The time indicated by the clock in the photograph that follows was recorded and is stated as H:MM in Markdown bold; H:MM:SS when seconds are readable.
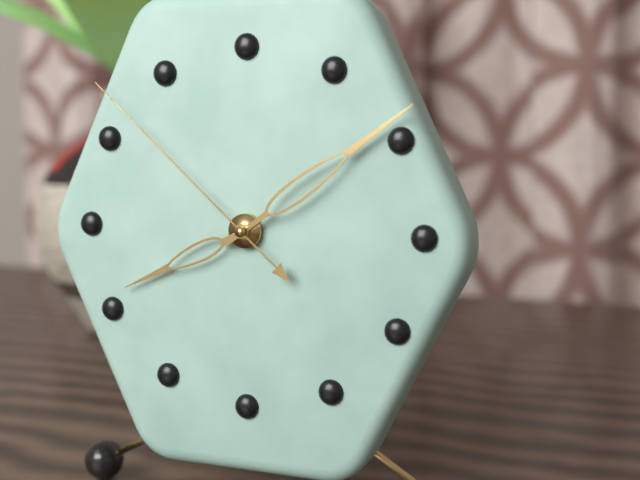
**8:09:52**
